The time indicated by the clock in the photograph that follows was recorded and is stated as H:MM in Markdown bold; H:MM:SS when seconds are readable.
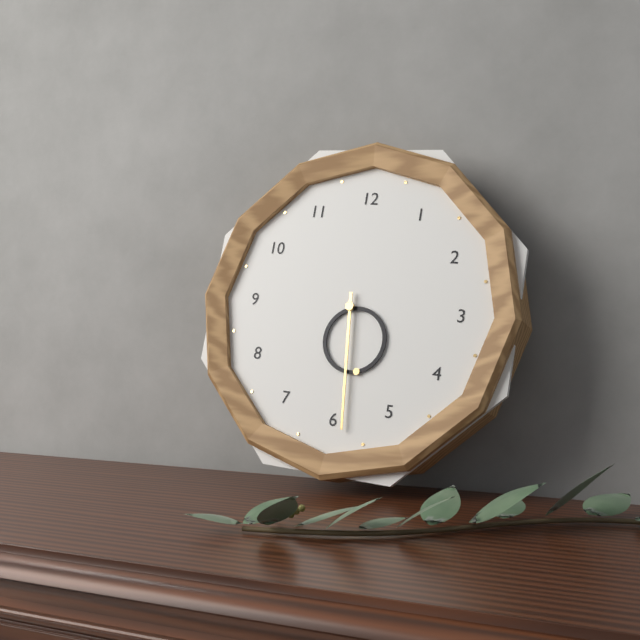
**5:29**
